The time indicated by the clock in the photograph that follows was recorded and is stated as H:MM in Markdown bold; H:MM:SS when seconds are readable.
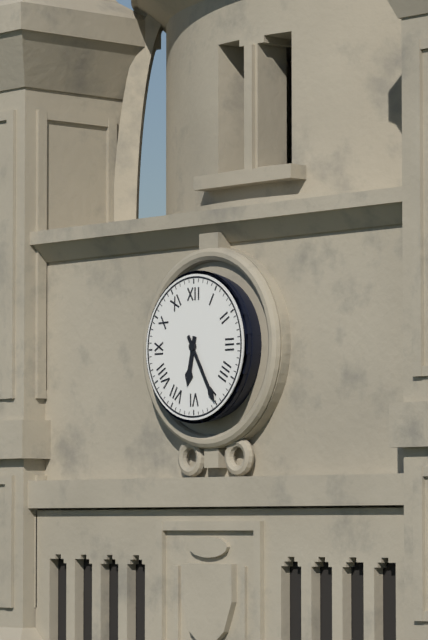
**6:25**
